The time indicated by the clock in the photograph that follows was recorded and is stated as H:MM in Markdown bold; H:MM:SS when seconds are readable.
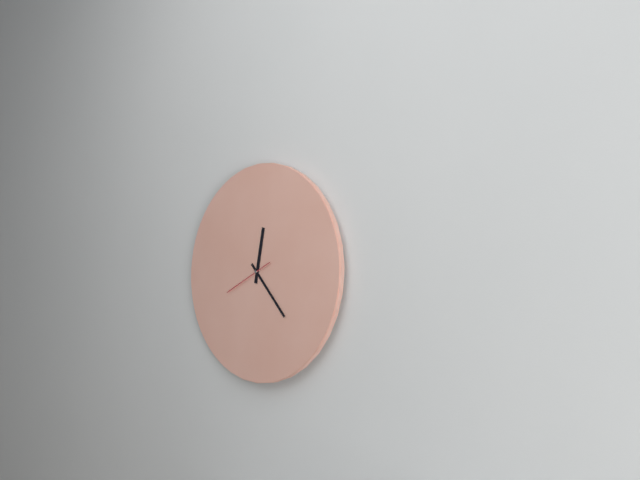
**12:23**
